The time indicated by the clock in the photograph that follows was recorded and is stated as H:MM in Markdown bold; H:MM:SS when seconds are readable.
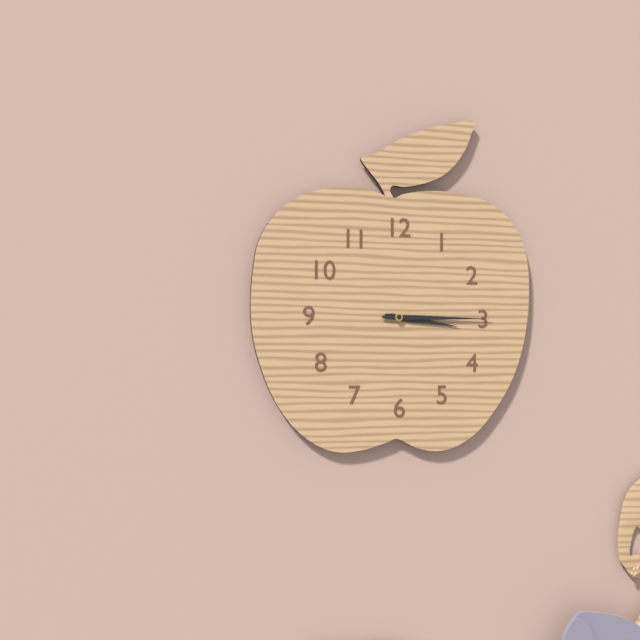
**3:15**
